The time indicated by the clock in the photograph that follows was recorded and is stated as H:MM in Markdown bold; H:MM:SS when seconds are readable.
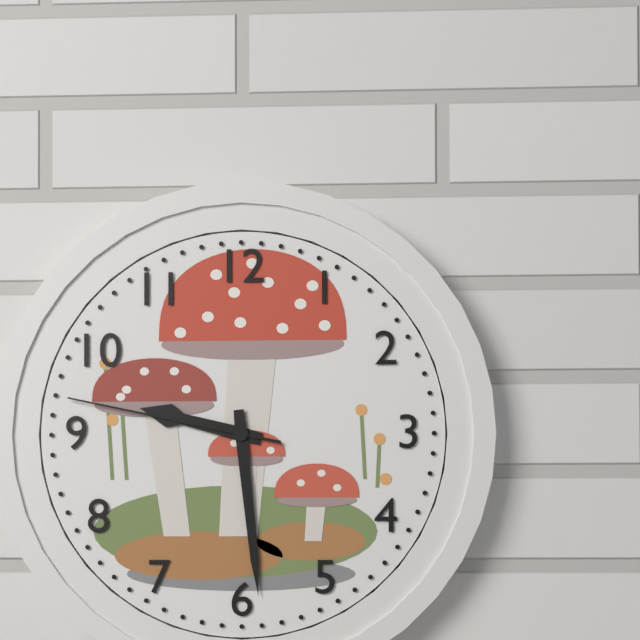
**9:29:47**
